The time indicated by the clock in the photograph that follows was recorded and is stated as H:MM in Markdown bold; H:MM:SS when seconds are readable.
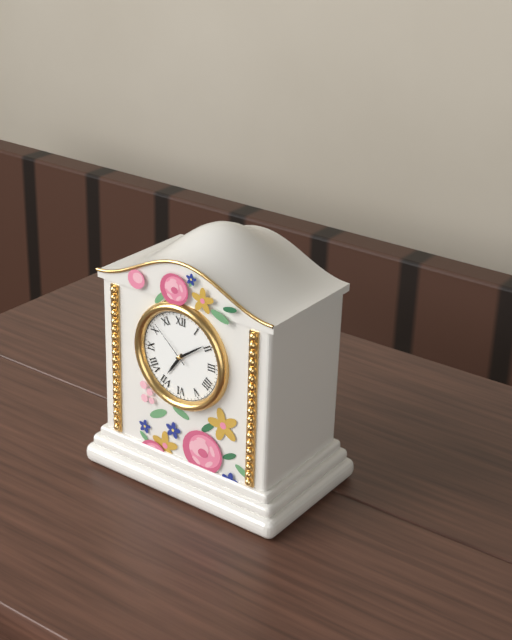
**7:09:52**
